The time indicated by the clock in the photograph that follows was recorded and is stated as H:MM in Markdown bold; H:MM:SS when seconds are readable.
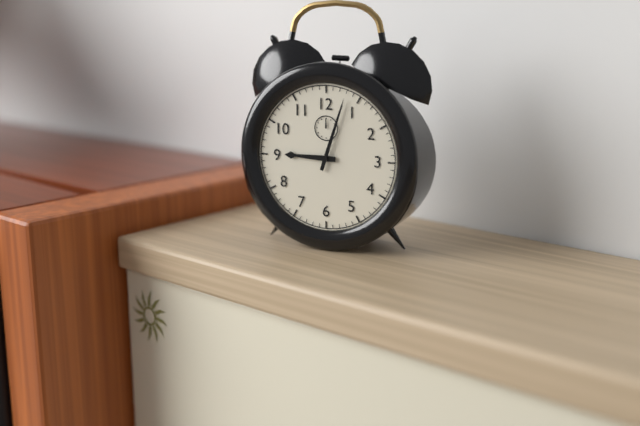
**9:03**
